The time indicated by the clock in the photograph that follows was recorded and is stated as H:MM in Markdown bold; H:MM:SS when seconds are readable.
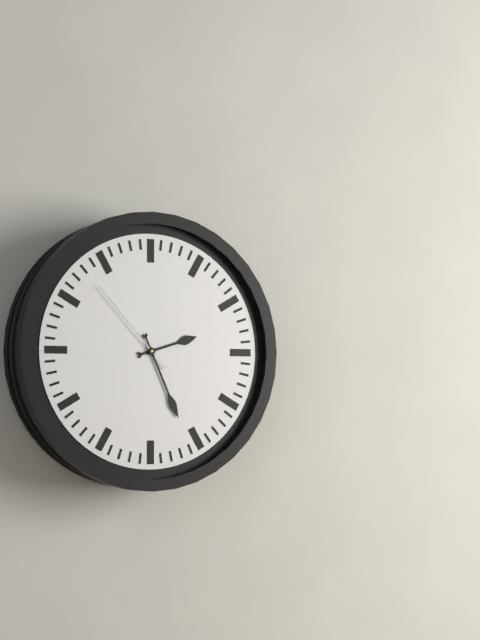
**2:26:53**
